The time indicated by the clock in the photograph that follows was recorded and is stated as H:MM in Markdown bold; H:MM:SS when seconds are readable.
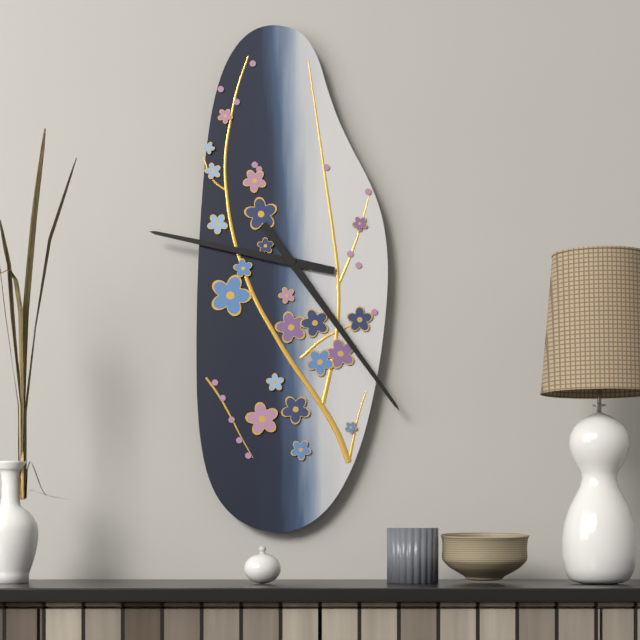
**9:24**
